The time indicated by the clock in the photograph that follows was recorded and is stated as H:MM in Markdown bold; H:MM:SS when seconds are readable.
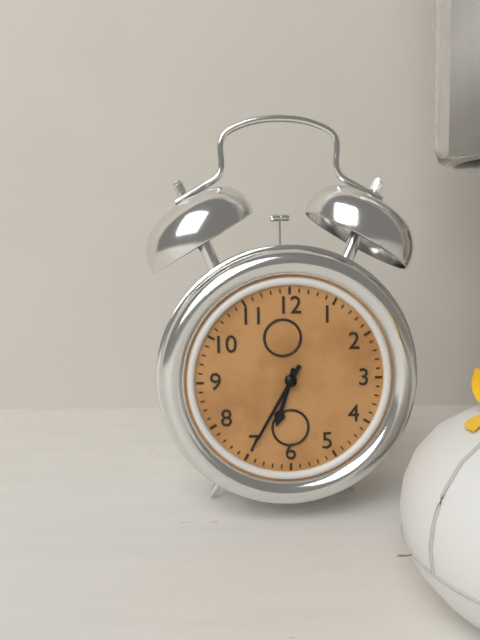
**6:35**
